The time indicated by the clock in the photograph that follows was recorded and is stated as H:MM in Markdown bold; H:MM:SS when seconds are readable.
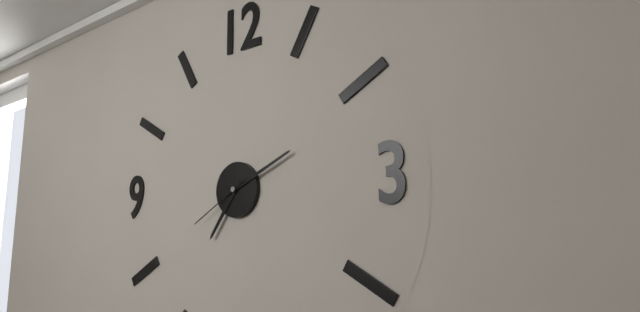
**7:11:40**
